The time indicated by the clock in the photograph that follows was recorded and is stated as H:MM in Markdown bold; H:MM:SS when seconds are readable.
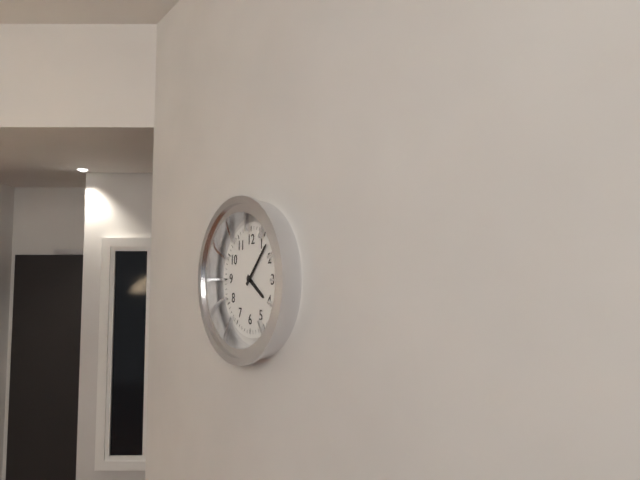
**4:07**
